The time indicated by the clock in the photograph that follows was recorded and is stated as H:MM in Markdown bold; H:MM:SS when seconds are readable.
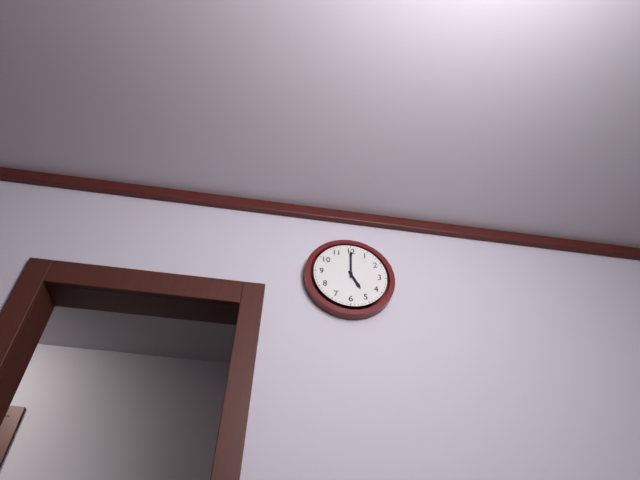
**5:00**
